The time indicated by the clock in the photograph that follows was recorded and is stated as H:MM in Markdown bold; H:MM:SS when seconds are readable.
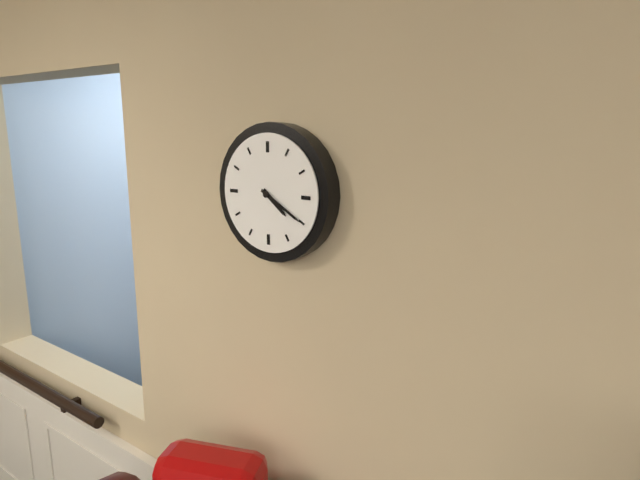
**4:20**
